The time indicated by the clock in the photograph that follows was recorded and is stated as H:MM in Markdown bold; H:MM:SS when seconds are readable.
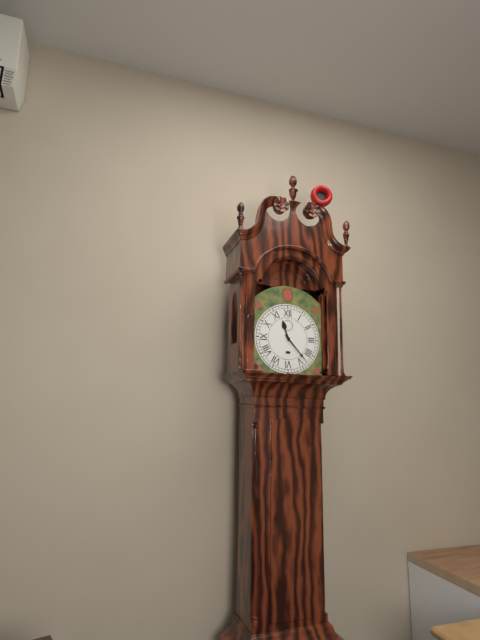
**11:23**
